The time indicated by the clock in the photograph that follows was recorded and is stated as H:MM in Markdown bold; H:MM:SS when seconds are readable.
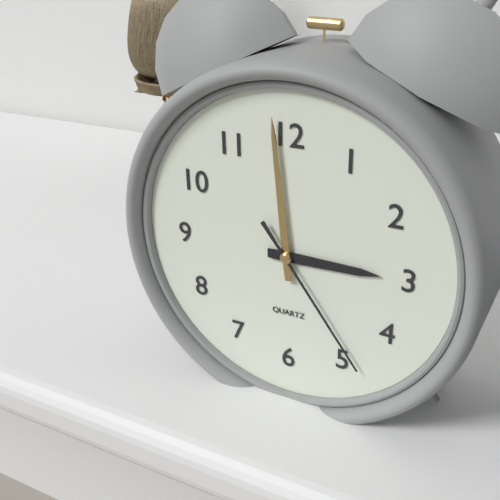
**2:59:24**
